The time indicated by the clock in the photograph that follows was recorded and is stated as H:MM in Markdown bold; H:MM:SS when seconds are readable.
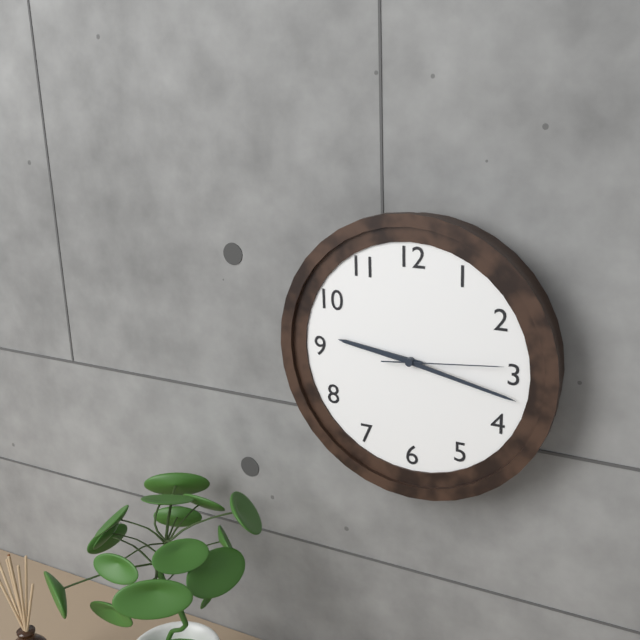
**9:17:14**
